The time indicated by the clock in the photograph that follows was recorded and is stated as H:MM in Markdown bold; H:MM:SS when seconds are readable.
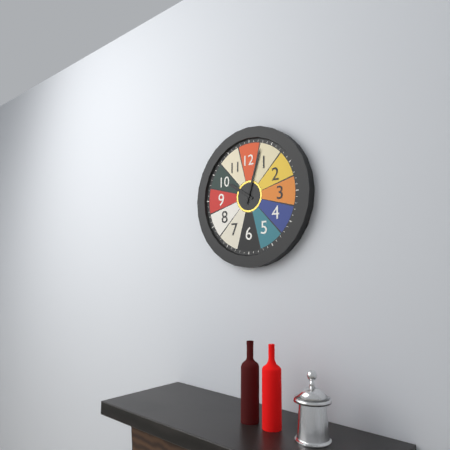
**10:03**
